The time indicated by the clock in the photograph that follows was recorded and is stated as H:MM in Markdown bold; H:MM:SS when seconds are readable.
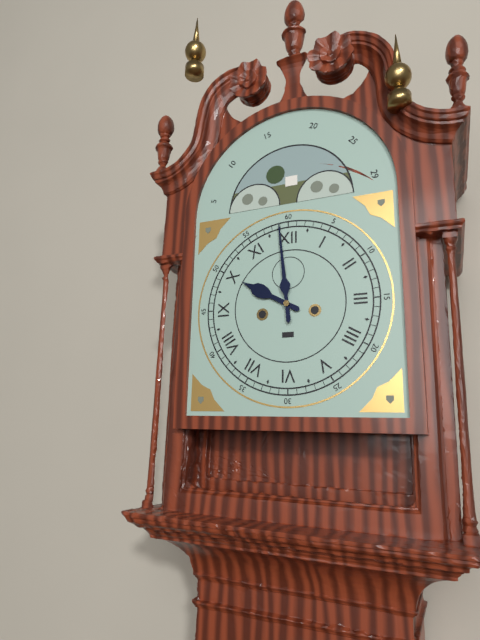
**9:59**
